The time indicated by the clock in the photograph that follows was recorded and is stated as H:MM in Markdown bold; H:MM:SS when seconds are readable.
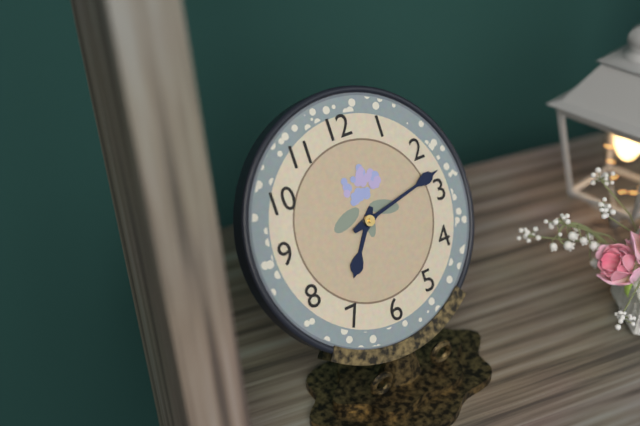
**7:13**
